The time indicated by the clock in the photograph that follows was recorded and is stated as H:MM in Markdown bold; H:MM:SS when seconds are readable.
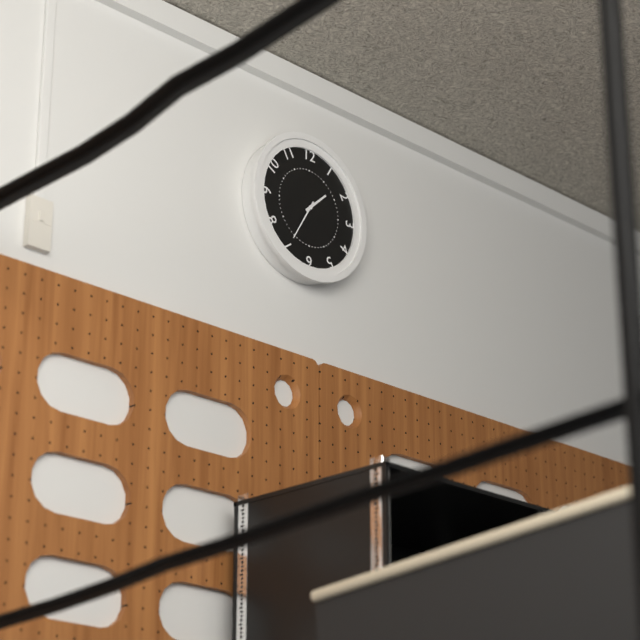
**1:35**
